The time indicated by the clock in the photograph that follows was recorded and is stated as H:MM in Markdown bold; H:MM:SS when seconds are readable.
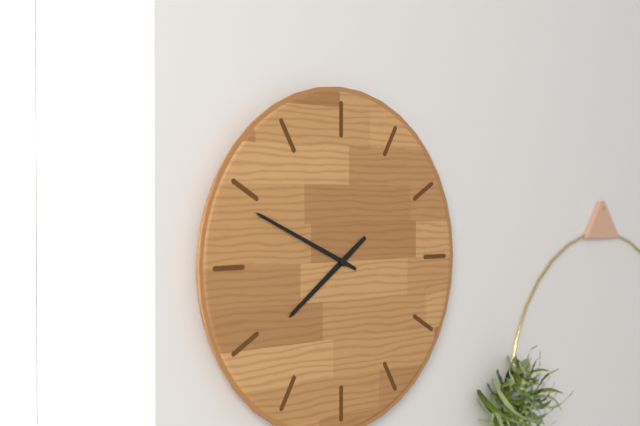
**7:49**
